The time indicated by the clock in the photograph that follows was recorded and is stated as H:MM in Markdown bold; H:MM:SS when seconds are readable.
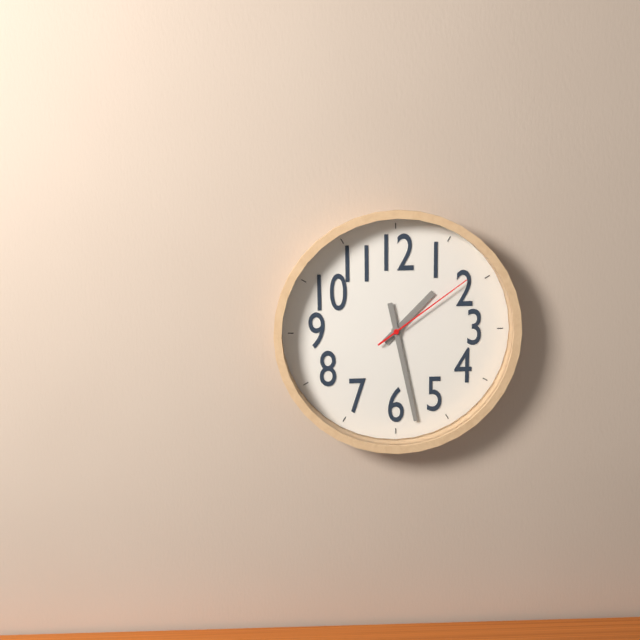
**1:28:09**
